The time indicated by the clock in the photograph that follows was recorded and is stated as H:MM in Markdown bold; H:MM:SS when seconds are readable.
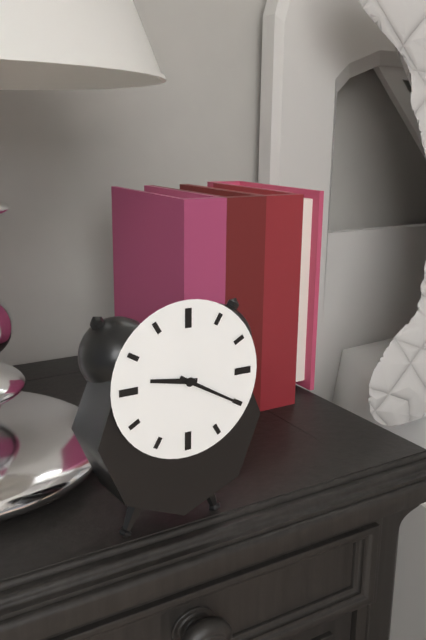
**9:20**
